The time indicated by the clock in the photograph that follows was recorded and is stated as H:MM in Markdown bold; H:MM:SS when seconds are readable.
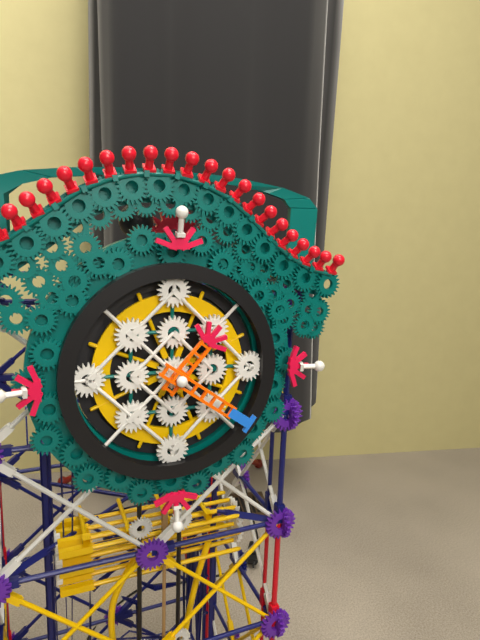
**1:21**
